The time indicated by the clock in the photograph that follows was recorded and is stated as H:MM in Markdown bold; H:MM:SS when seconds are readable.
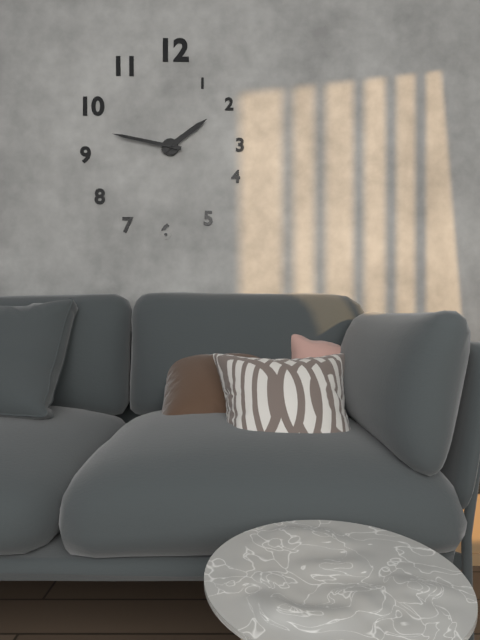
**1:47**
